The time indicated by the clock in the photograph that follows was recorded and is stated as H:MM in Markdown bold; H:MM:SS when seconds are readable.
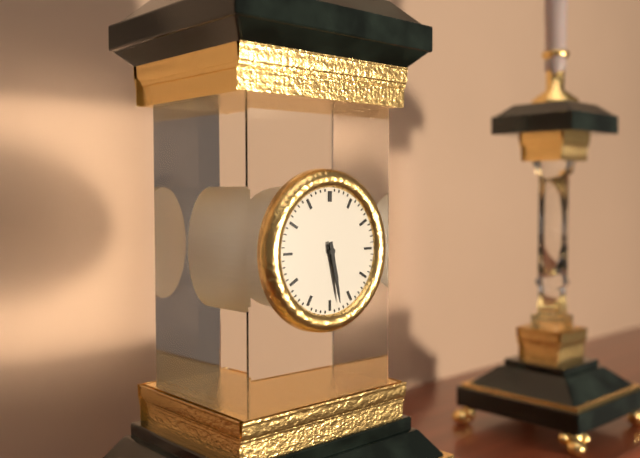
**5:28**
